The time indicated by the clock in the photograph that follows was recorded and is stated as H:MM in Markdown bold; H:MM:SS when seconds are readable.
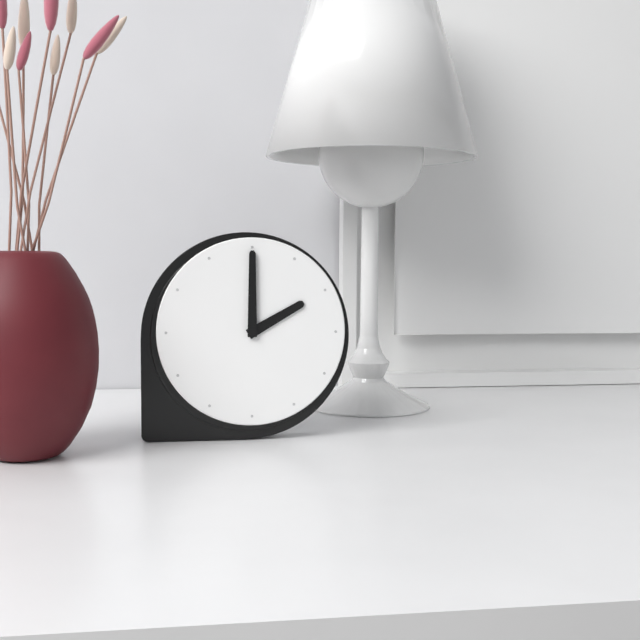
**2:00**
